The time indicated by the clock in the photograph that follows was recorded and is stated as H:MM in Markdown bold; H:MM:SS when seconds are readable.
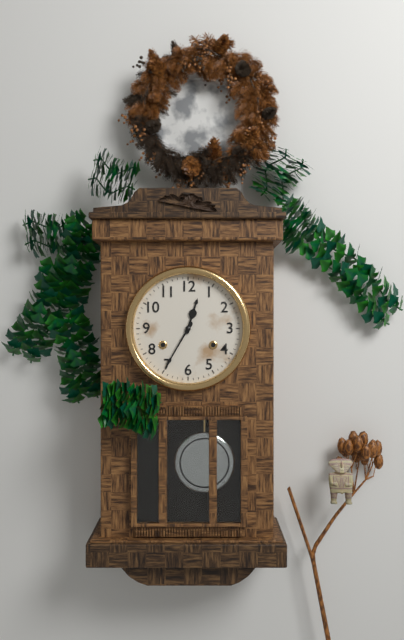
**12:35**
